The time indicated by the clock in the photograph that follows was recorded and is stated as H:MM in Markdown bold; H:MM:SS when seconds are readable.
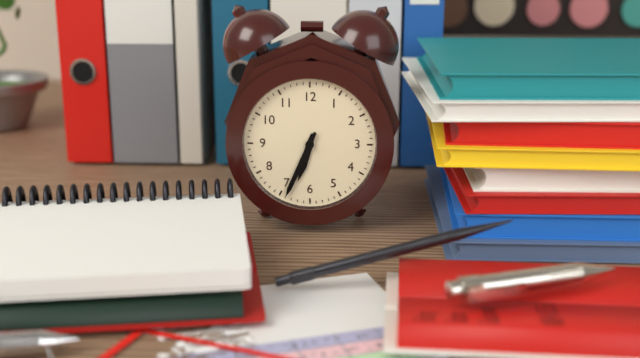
**6:34**
